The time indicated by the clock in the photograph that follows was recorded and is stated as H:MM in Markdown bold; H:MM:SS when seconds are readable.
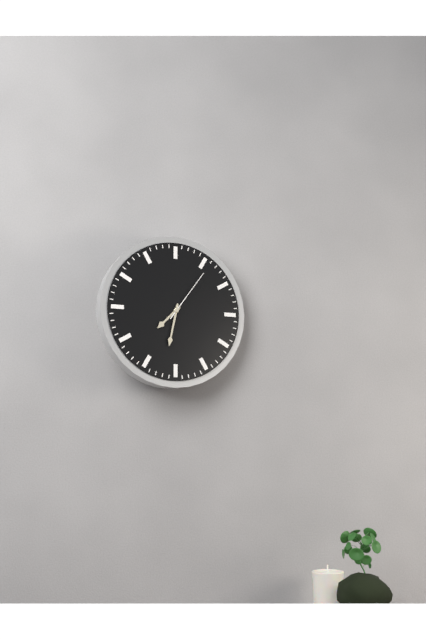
**7:32:06**
